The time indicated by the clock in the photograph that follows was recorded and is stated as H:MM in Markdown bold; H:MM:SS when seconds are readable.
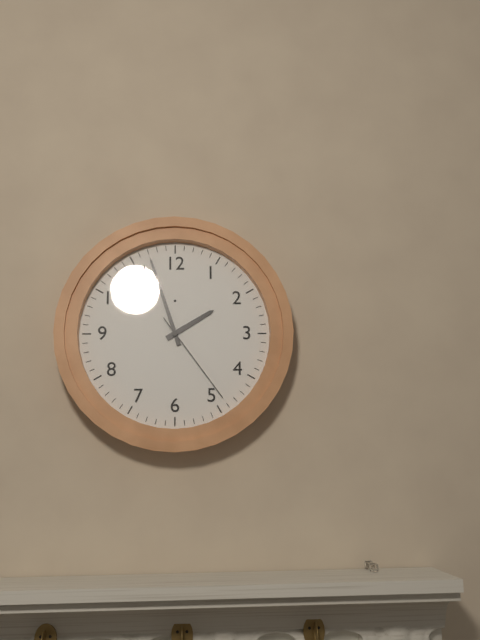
**1:57:24**
